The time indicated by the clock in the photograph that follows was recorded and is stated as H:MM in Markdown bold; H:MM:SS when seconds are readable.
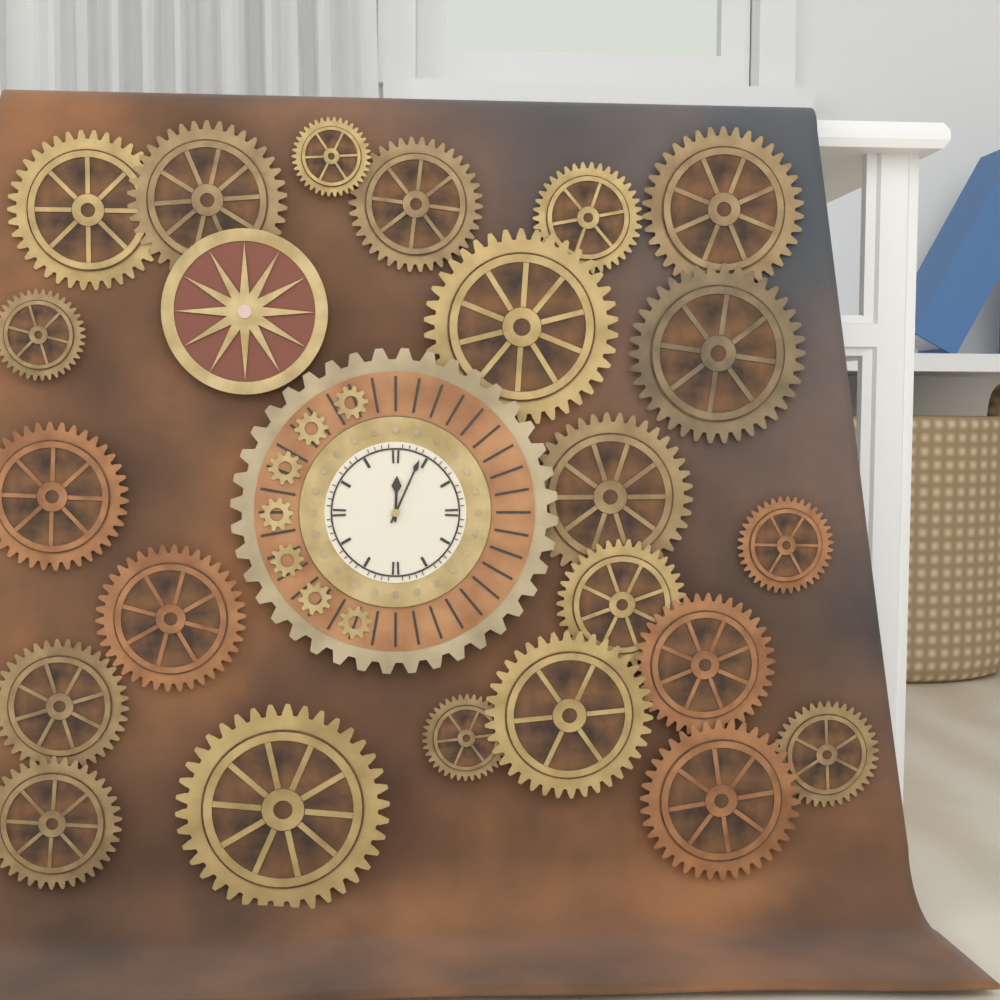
**12:04**
